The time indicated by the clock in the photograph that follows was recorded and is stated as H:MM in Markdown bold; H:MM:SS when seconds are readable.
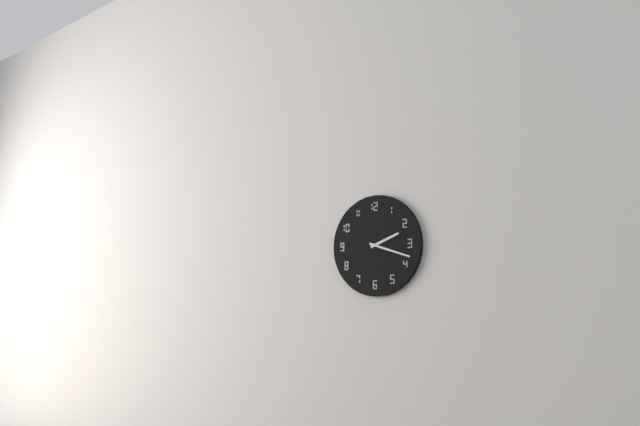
**2:18**
